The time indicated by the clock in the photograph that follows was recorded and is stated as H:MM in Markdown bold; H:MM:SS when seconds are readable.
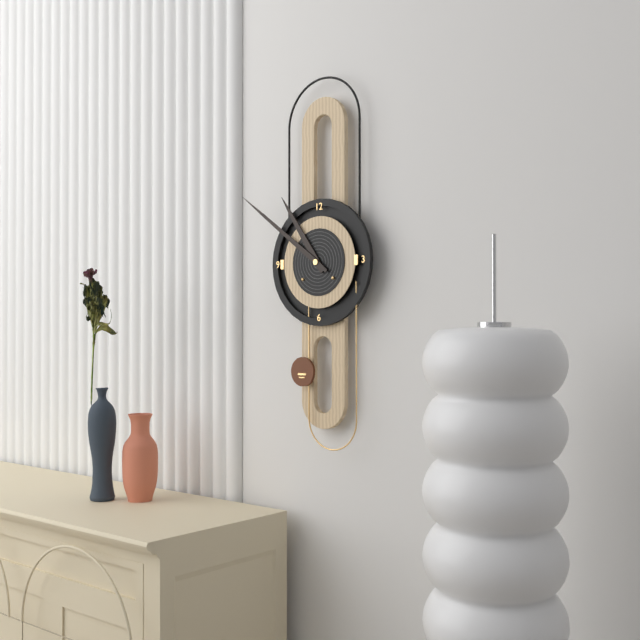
**10:51**
